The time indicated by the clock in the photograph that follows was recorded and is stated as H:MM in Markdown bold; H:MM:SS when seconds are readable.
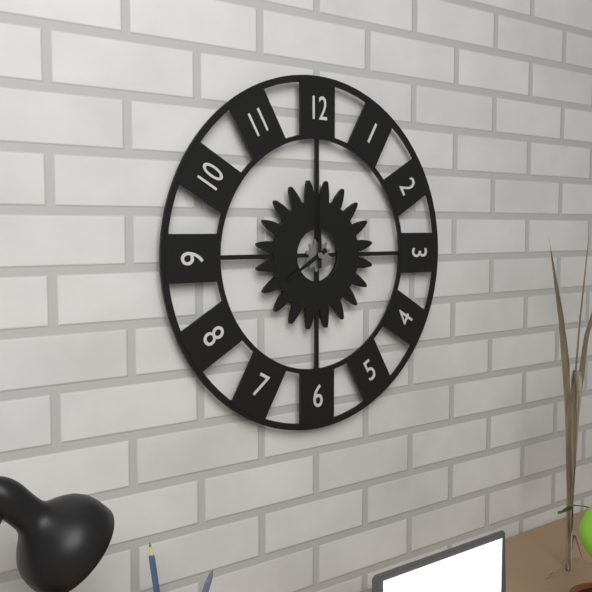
**8:00**
